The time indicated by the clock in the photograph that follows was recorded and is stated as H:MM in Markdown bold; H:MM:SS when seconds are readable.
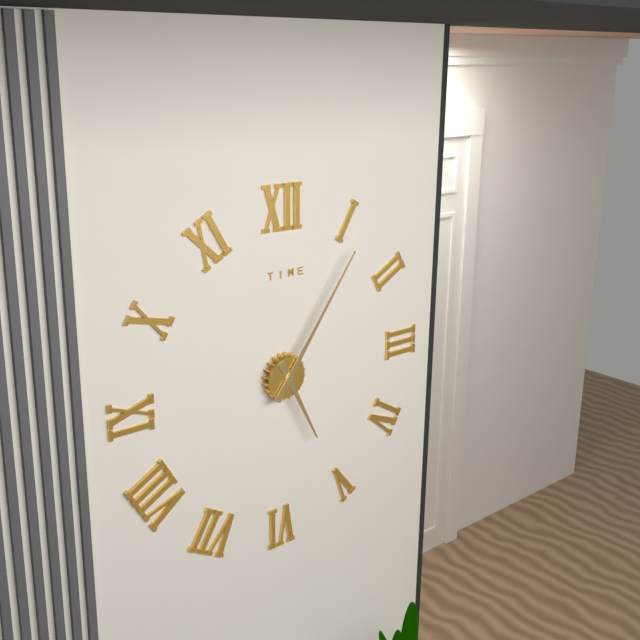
**5:06**
